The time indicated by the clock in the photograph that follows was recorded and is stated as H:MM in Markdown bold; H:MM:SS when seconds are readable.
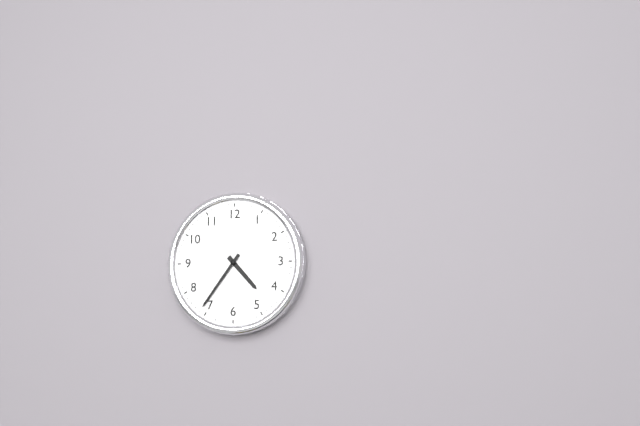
**4:36**
